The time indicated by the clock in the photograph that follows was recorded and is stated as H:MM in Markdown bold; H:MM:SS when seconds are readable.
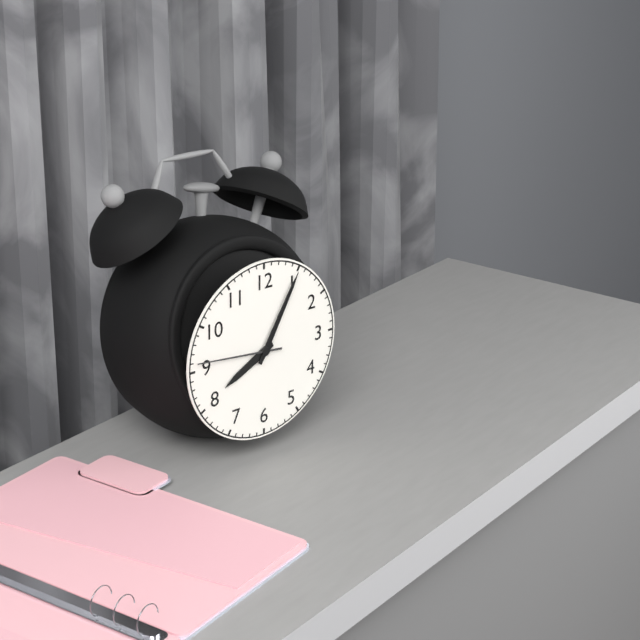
**8:05:46**
